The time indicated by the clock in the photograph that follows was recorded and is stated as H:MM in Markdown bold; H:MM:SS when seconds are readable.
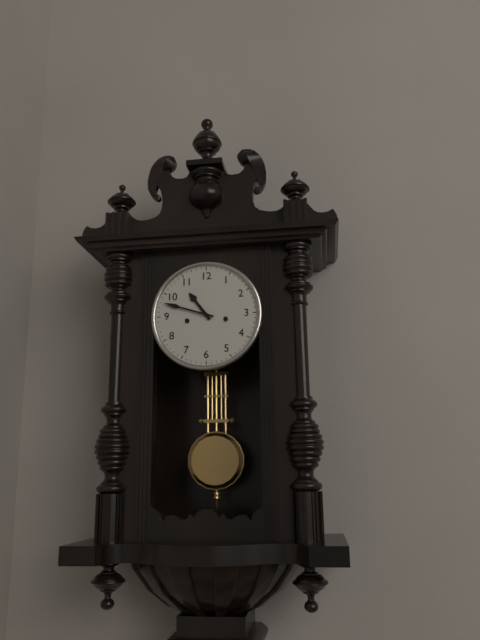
**10:48**
